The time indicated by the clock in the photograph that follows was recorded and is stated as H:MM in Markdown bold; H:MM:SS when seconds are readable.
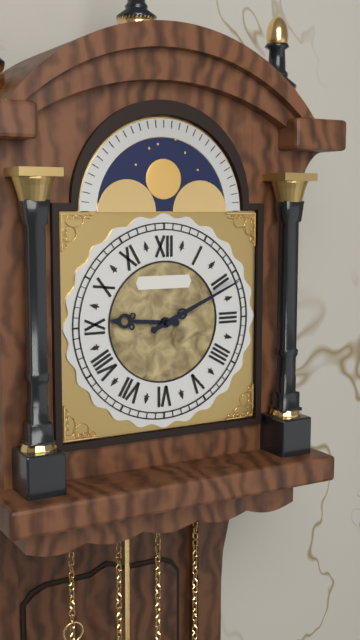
**9:11**
